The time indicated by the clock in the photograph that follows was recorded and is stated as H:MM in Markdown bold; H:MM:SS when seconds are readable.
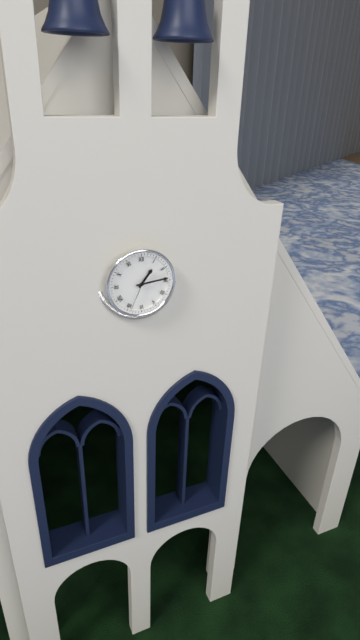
**1:14**
